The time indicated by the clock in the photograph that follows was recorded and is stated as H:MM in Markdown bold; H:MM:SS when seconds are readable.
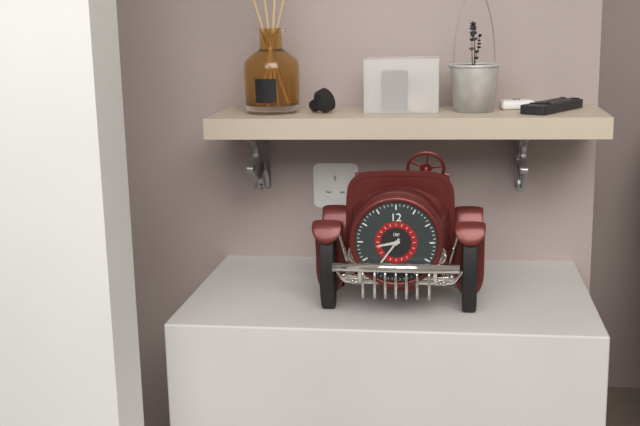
**8:36**
